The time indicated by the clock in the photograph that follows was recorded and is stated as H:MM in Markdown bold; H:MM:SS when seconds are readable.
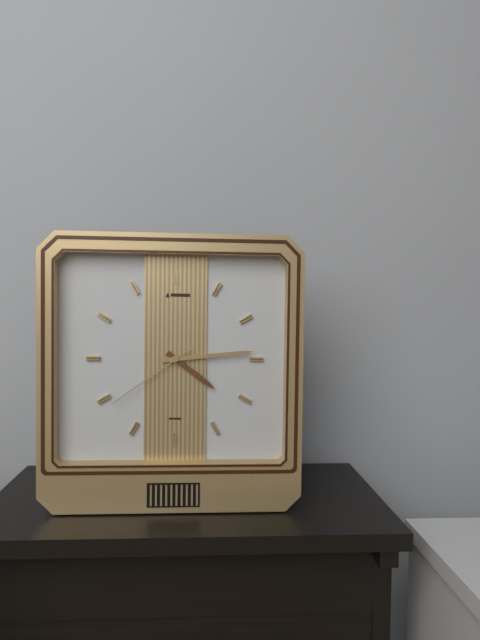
**4:14:39**
